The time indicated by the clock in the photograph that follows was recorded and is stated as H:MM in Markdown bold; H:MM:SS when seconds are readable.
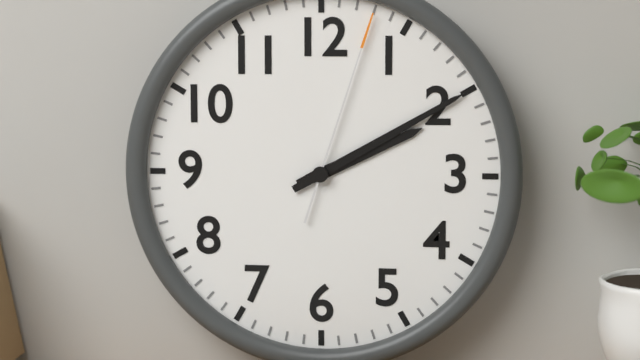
**2:10:03**
